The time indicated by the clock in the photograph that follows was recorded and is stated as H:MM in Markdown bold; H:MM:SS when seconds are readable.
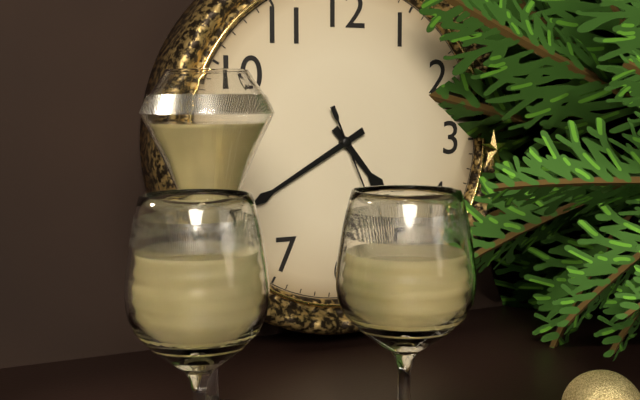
**4:40**
